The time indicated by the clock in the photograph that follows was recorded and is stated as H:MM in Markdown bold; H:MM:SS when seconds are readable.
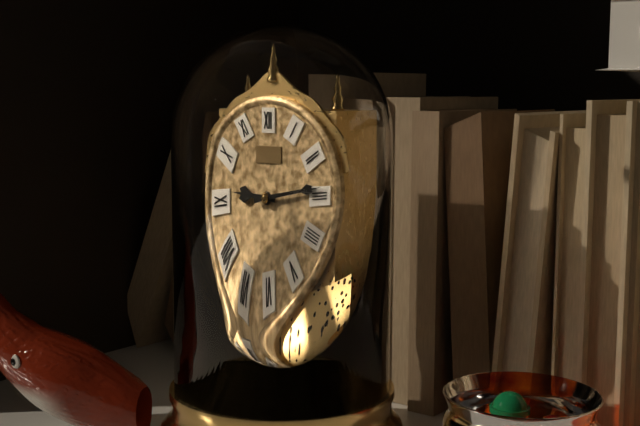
**9:14**
